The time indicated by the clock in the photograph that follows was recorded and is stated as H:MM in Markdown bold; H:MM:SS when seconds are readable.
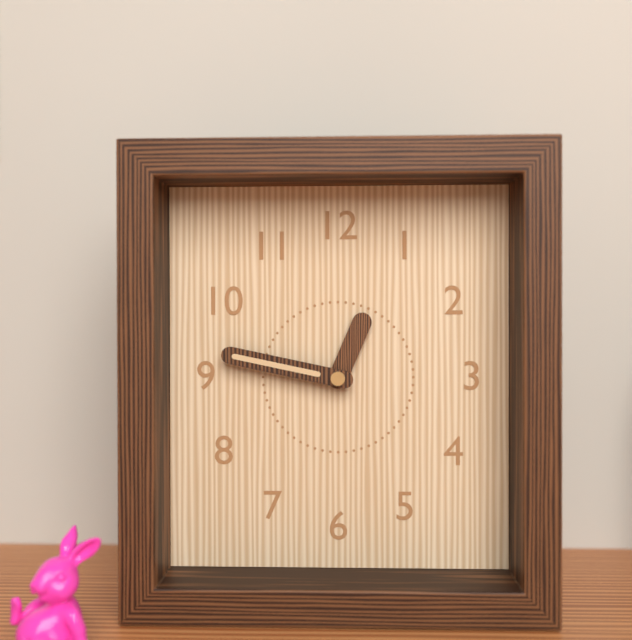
**12:47**
